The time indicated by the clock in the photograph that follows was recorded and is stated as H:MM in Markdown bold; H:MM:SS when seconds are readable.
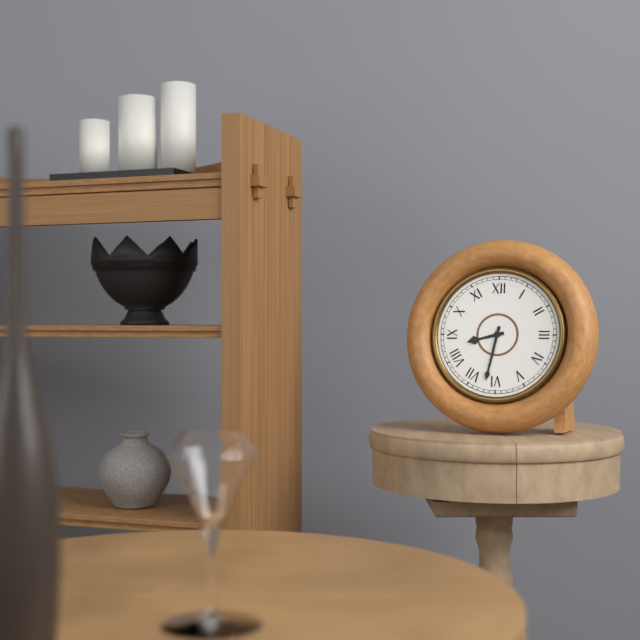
**8:32**
